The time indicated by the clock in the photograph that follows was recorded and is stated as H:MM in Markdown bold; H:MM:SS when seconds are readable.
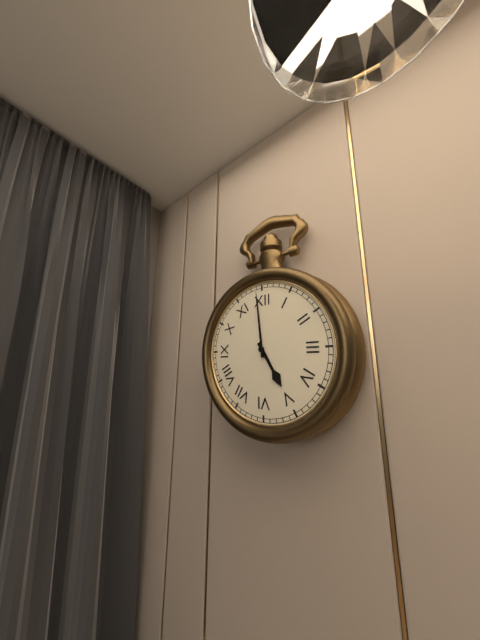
**4:59**
